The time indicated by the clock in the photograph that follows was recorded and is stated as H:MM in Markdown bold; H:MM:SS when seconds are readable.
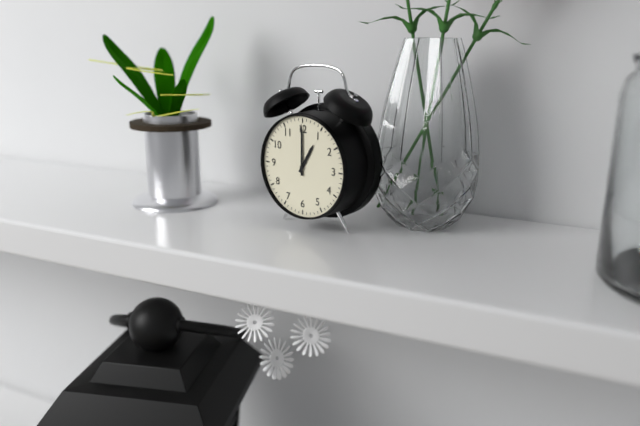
**1:00**
